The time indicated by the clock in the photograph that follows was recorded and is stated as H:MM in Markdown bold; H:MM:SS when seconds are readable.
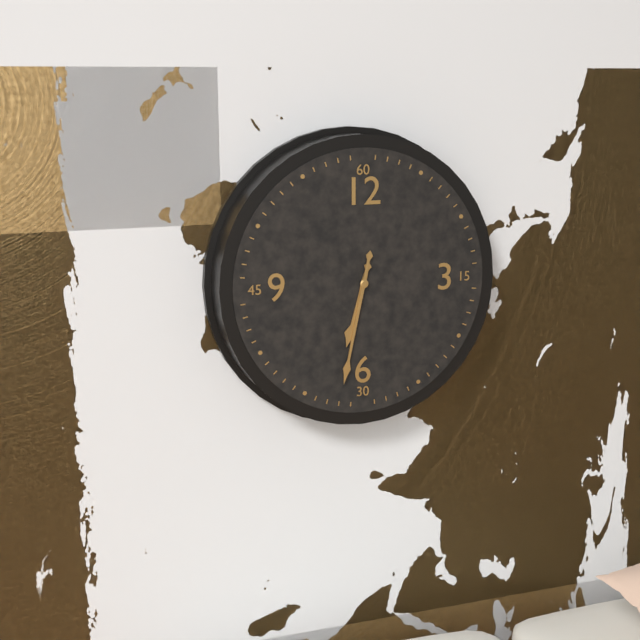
**6:32**
